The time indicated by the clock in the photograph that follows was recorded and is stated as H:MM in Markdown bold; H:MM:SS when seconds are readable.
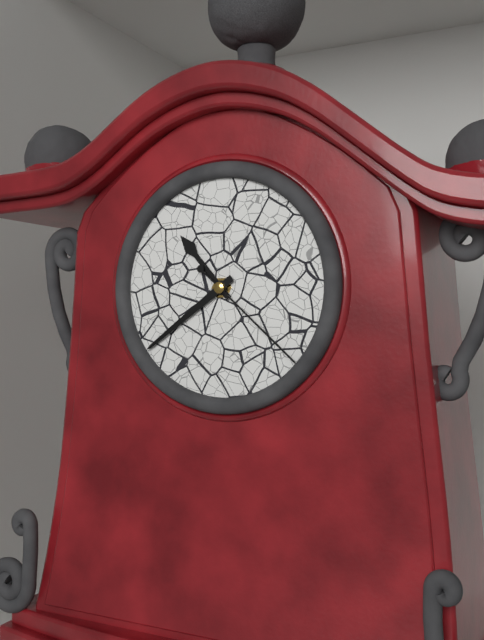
**10:39:22**
